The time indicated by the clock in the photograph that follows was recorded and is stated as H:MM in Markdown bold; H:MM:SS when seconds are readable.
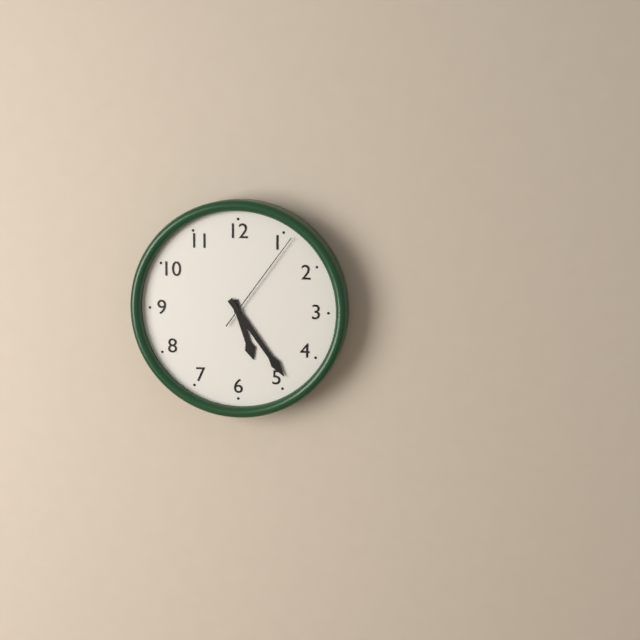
**5:24:06**
